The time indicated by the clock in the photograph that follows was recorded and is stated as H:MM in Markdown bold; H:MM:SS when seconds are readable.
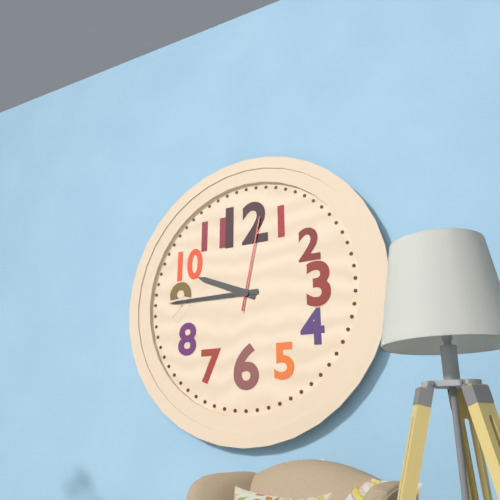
**9:45:02**
